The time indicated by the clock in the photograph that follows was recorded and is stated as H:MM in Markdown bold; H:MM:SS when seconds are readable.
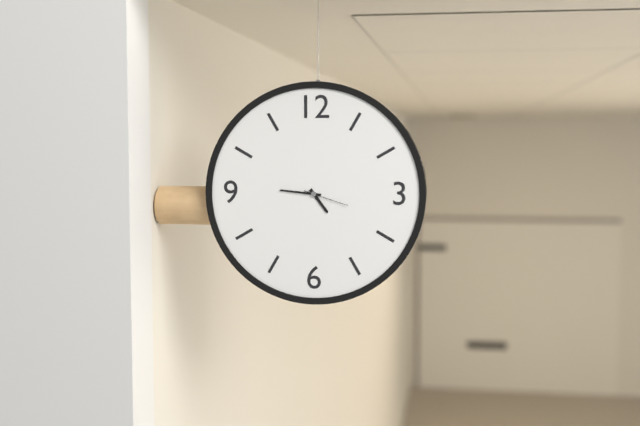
**4:46**
